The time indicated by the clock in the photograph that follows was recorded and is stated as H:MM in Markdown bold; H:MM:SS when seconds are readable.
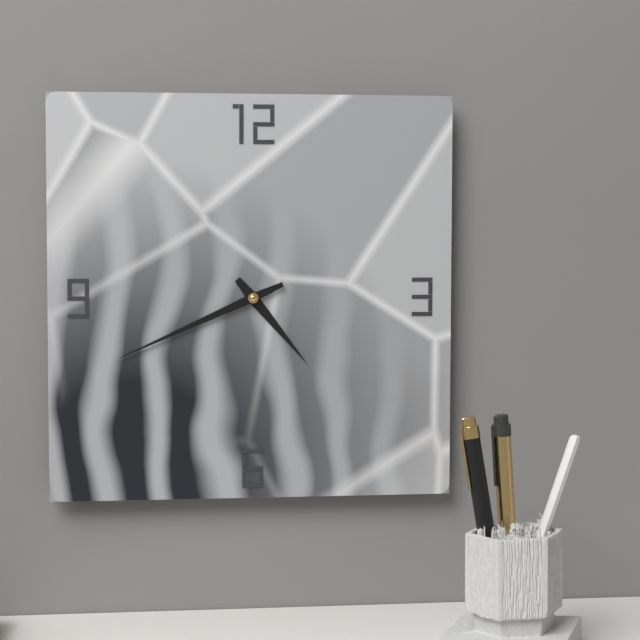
**4:41**
